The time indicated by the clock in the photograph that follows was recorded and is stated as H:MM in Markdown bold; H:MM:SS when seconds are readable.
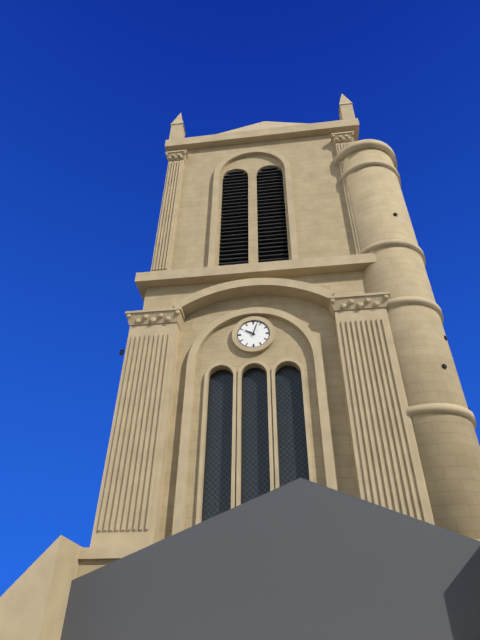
**10:03**
